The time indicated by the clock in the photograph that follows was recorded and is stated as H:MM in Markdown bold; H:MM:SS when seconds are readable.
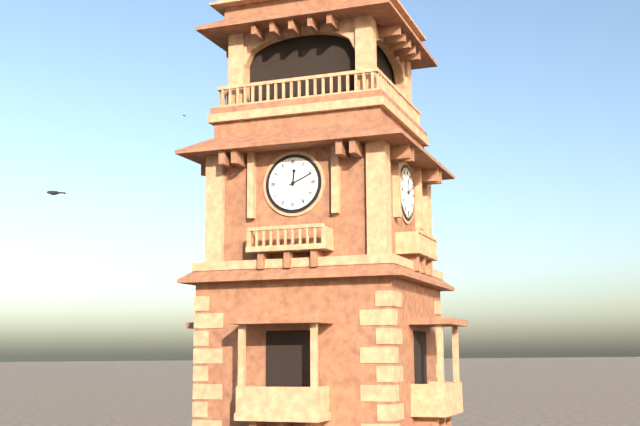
**12:11**
